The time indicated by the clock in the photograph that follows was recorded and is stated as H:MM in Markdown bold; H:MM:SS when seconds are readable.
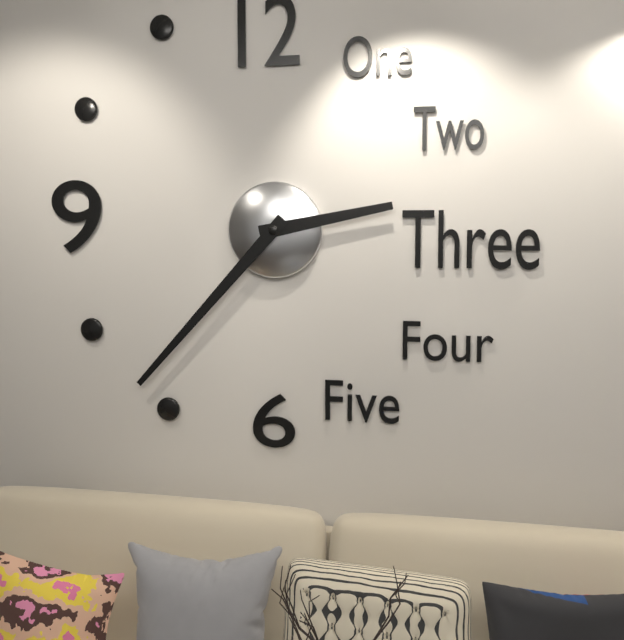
**2:37**
